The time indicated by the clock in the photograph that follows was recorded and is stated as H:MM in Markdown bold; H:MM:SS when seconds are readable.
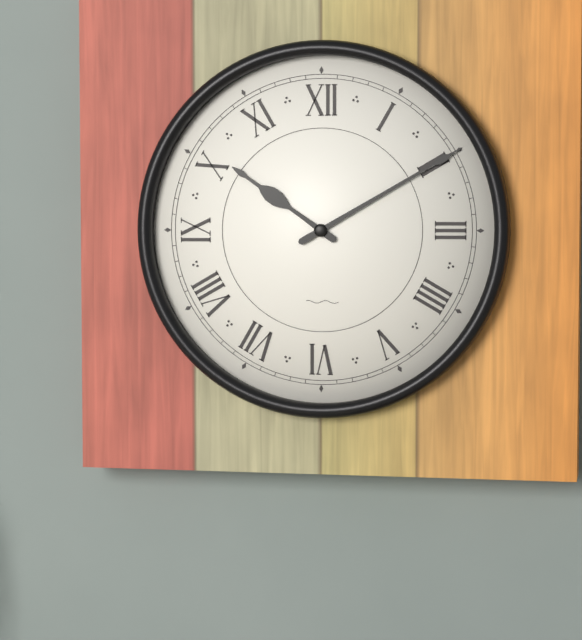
**10:10**
